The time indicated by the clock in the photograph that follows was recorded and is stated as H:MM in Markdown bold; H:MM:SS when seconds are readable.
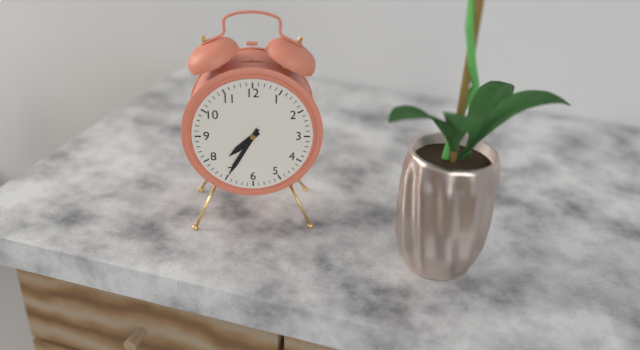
**7:35**
